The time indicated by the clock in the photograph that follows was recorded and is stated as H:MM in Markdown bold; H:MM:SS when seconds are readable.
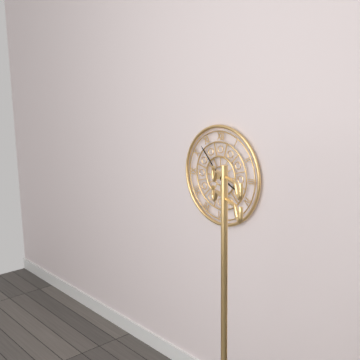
**3:53**
